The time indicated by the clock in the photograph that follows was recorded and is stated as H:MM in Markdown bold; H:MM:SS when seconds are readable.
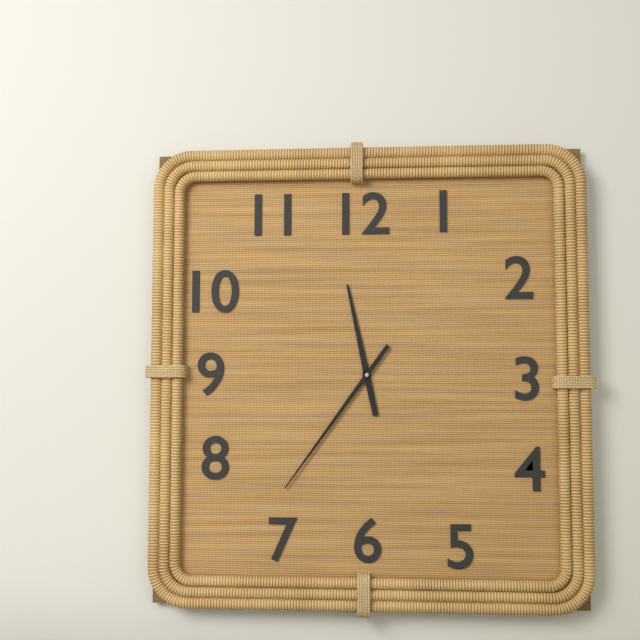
**11:36**
